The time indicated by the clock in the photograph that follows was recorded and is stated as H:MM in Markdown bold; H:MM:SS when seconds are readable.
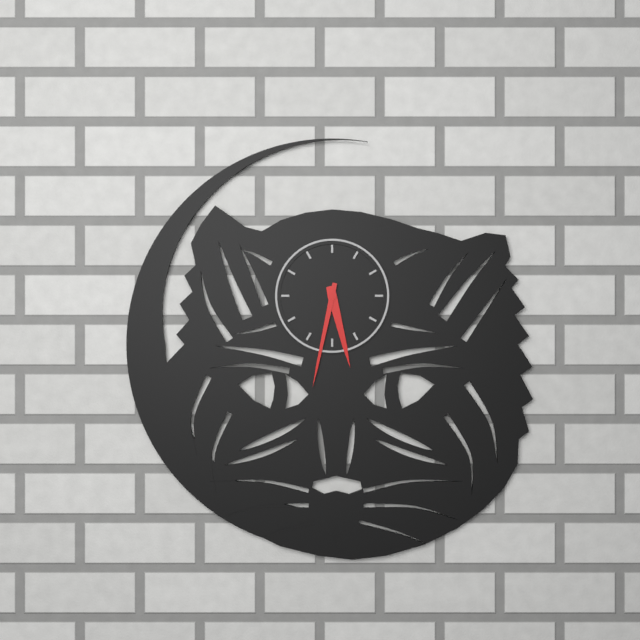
**5:32**
